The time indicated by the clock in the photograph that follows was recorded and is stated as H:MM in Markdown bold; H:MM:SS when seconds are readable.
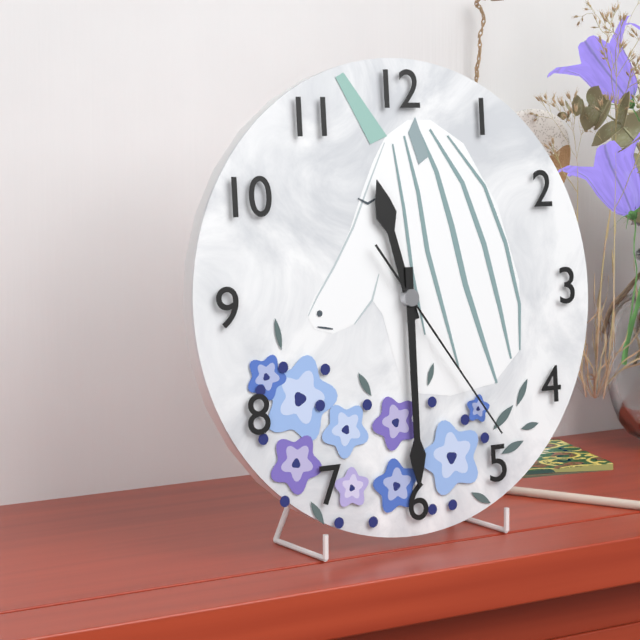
**11:30:24**
